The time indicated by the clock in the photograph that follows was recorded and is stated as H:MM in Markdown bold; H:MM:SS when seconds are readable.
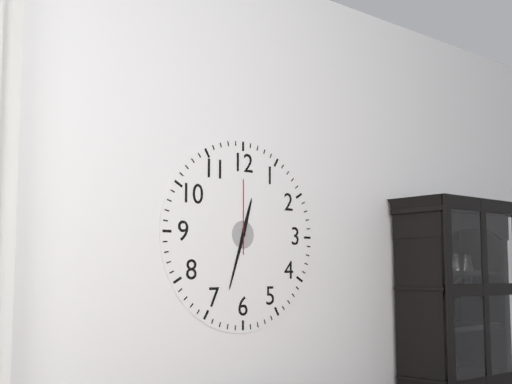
**12:33:00**
